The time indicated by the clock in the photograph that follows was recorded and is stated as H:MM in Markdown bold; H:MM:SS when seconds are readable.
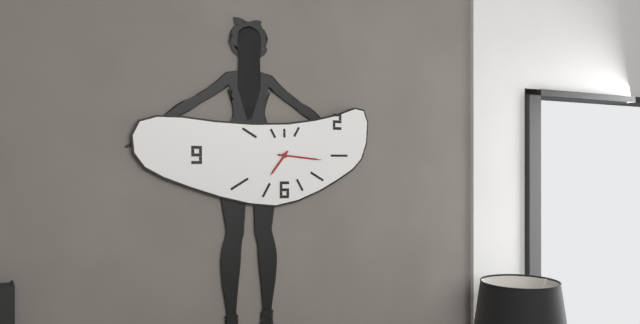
**7:16**
